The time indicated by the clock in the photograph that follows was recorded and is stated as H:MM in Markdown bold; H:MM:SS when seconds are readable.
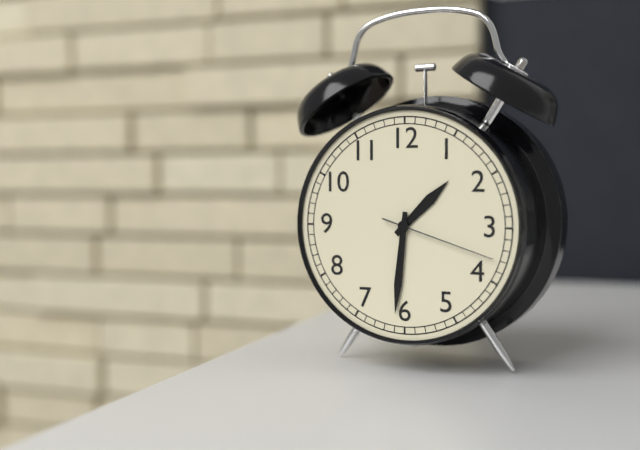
**1:31:18**
